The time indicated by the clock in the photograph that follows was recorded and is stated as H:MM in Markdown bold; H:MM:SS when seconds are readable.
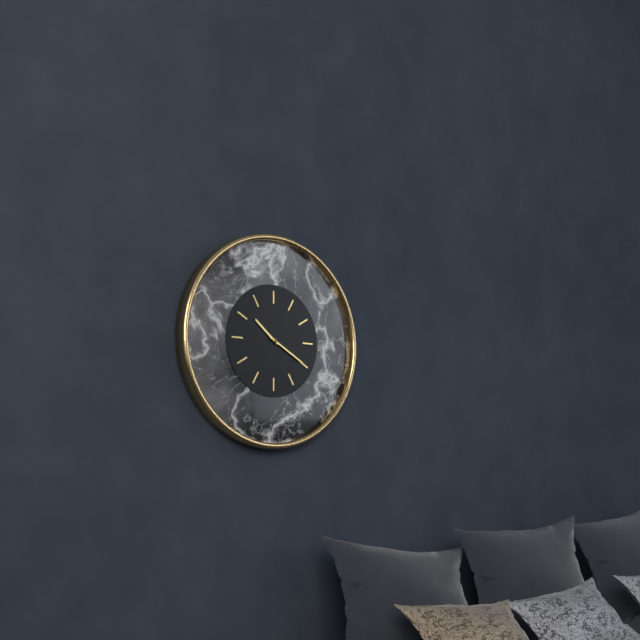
**10:20**
